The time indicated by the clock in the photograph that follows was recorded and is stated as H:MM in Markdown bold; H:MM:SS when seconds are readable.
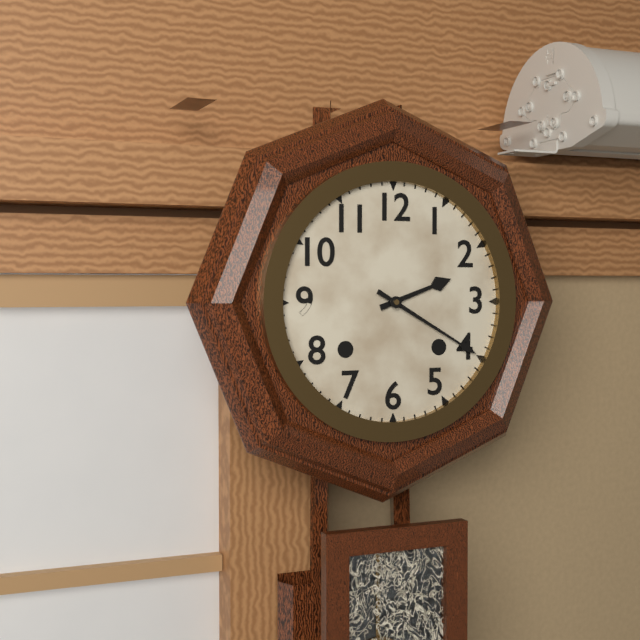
**2:20**
